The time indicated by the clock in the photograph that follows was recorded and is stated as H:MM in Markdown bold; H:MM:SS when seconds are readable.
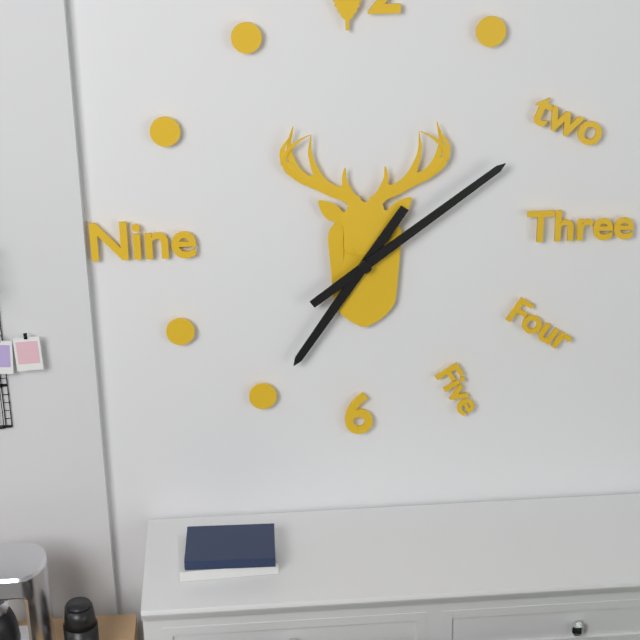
**7:09**
